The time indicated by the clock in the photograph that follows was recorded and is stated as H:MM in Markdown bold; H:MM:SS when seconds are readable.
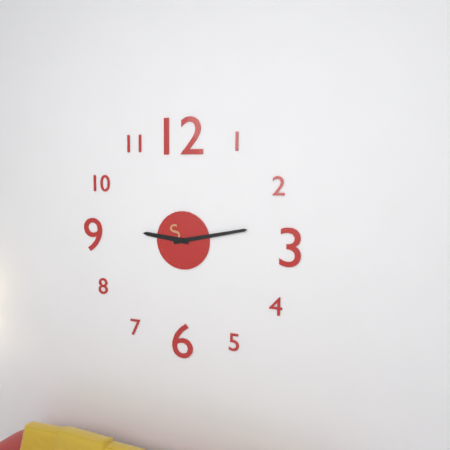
**9:13**
